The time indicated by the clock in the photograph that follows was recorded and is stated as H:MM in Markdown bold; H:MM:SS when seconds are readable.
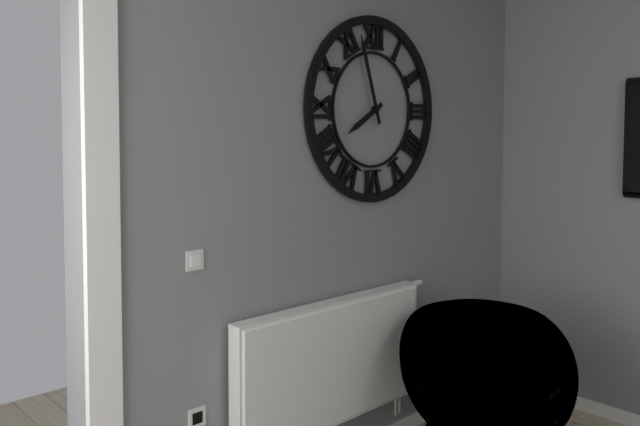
**7:57**
